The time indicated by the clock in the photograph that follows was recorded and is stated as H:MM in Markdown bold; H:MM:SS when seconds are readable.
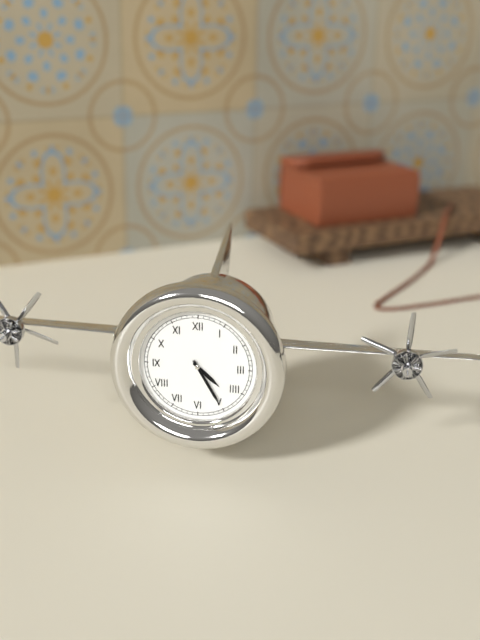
**4:25**
